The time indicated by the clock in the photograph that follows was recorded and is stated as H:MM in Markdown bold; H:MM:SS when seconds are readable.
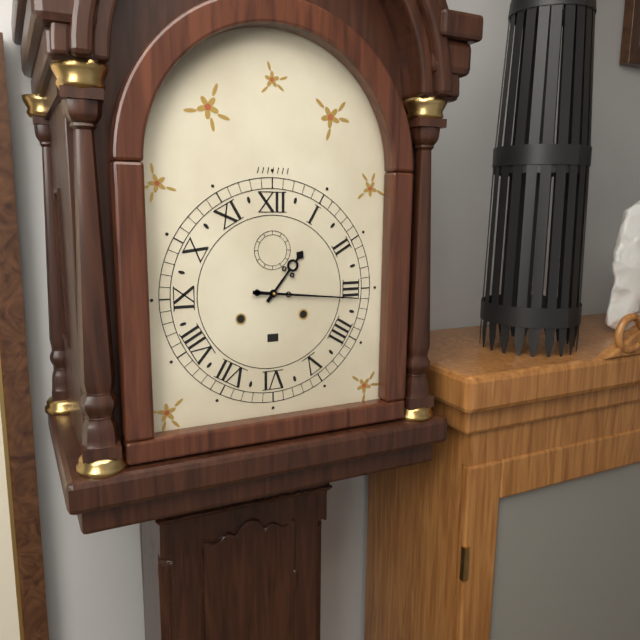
**1:16**
